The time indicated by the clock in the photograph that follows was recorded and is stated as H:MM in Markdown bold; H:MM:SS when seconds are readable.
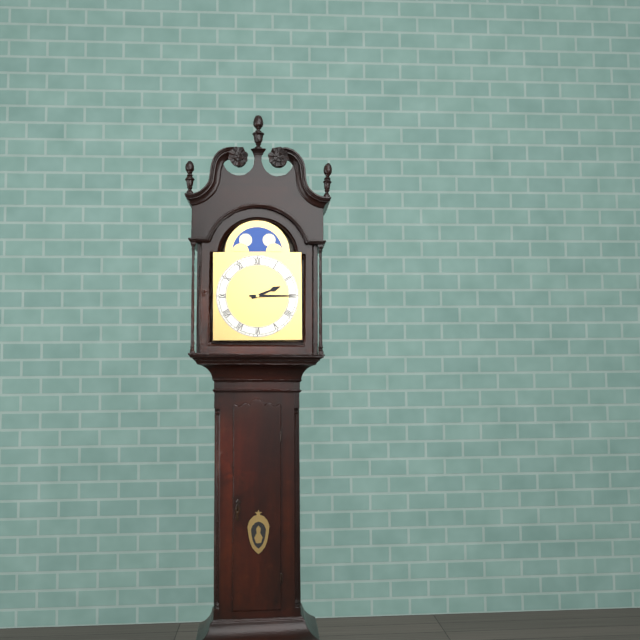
**2:15**
